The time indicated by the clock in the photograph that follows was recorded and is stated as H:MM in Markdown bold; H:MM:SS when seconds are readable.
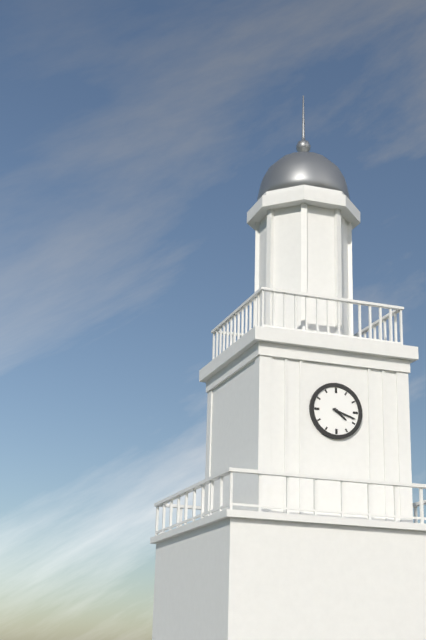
**4:18**
